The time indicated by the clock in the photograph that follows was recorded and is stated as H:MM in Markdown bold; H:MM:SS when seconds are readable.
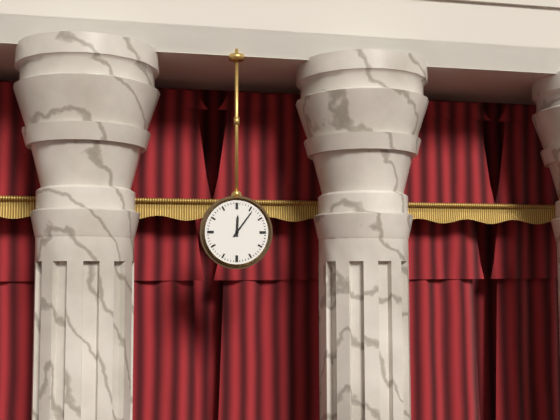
**12:06**
